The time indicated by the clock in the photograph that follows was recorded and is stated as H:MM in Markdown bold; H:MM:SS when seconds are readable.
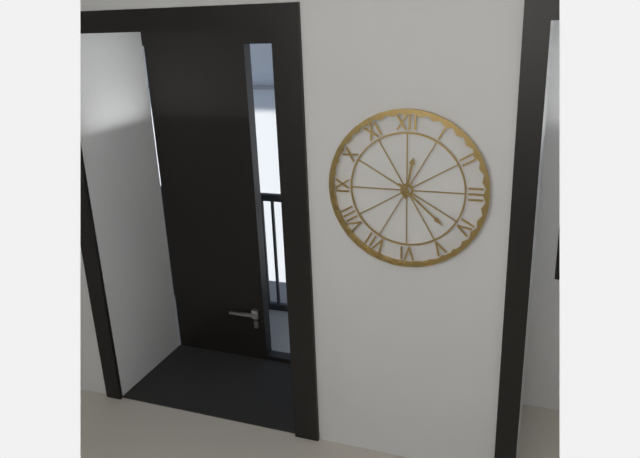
**12:22**
